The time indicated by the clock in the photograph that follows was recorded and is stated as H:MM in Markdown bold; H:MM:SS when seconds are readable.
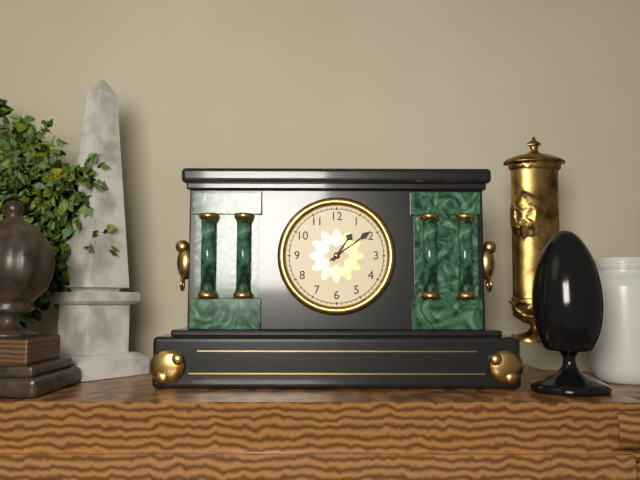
**1:09**
